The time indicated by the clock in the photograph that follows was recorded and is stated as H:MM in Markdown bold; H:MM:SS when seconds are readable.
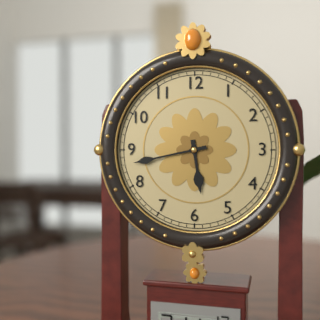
**5:43**
